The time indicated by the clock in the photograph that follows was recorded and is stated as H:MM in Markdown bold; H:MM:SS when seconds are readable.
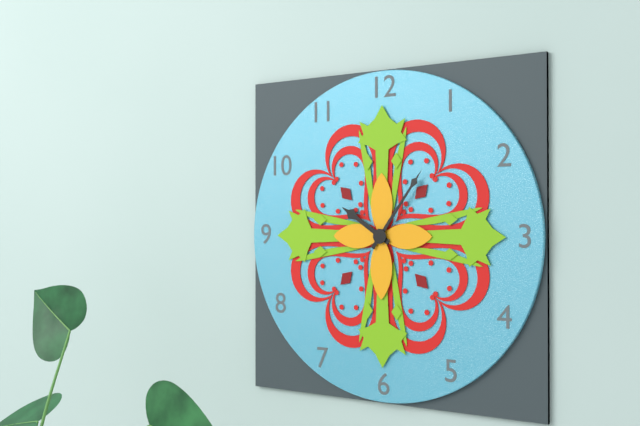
**10:06**
